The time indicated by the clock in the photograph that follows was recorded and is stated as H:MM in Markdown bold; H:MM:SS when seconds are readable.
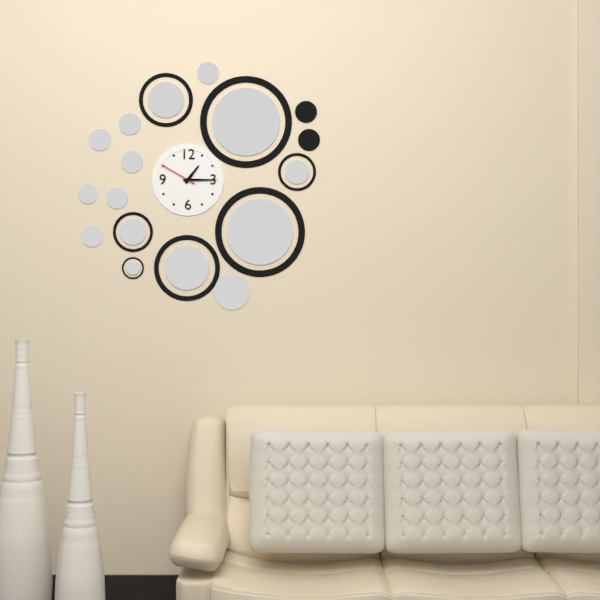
**1:15**
